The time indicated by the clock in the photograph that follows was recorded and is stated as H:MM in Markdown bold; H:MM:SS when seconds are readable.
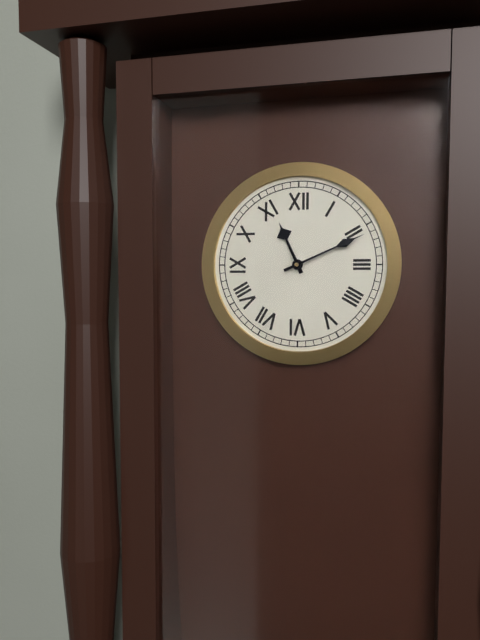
**11:11**
